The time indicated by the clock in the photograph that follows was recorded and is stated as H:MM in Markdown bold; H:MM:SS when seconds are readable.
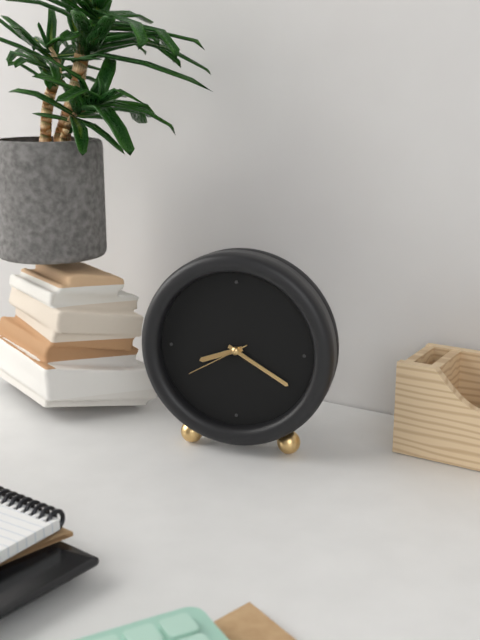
**8:20:40**
